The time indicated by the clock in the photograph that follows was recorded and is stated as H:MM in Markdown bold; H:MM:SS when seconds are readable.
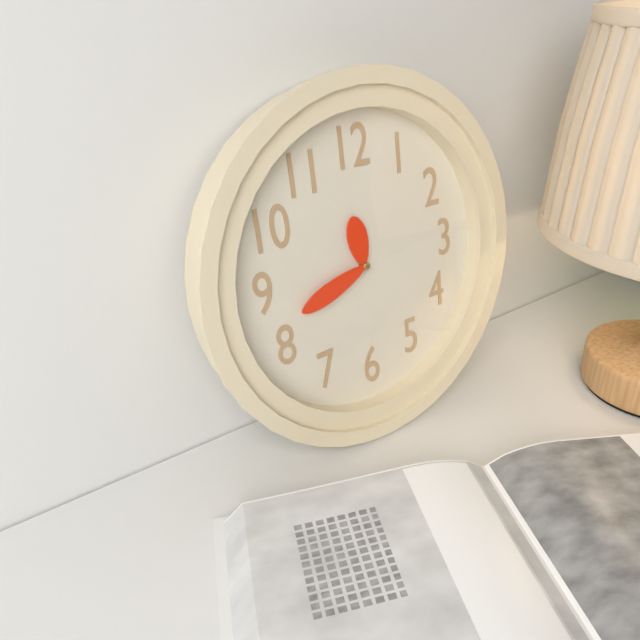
**11:42**
